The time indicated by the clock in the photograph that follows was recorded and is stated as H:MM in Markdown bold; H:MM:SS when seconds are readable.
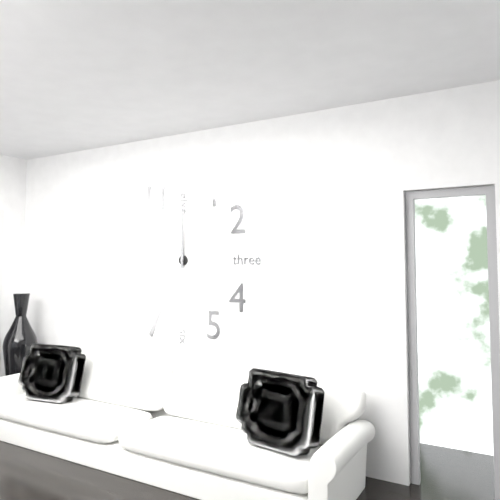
**12:00**
